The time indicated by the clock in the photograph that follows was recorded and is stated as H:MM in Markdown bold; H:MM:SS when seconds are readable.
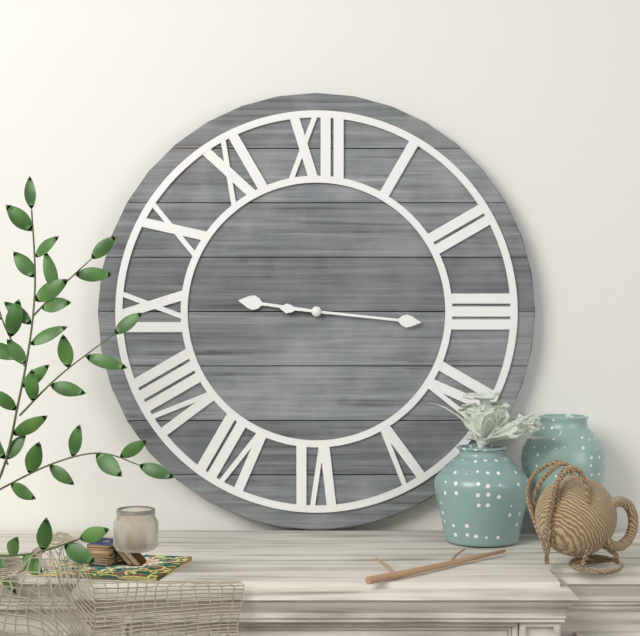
**9:16**
